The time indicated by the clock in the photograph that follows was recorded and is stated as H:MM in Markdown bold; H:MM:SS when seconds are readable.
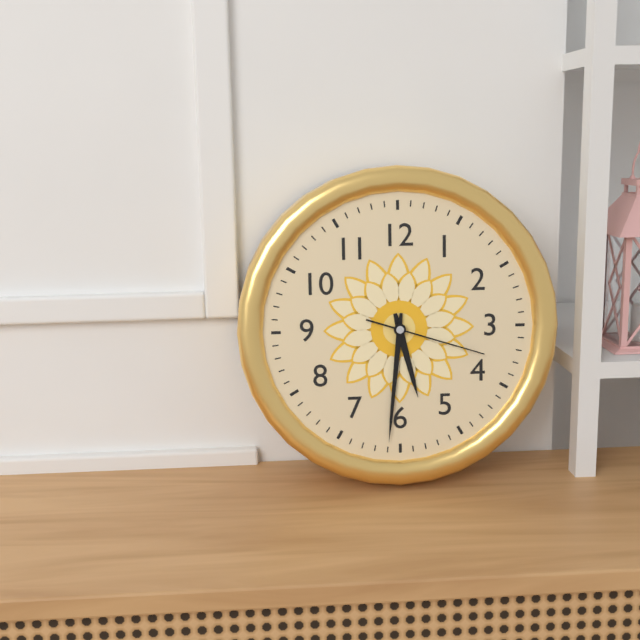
**5:31:18**
